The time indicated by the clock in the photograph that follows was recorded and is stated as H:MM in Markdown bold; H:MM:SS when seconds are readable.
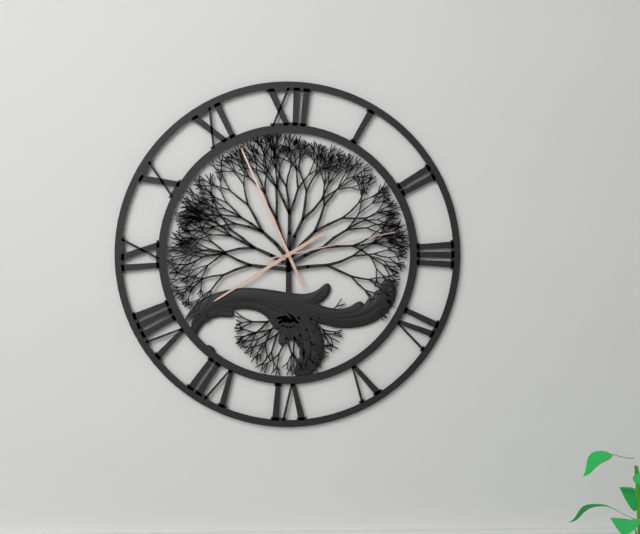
**7:56:13**
